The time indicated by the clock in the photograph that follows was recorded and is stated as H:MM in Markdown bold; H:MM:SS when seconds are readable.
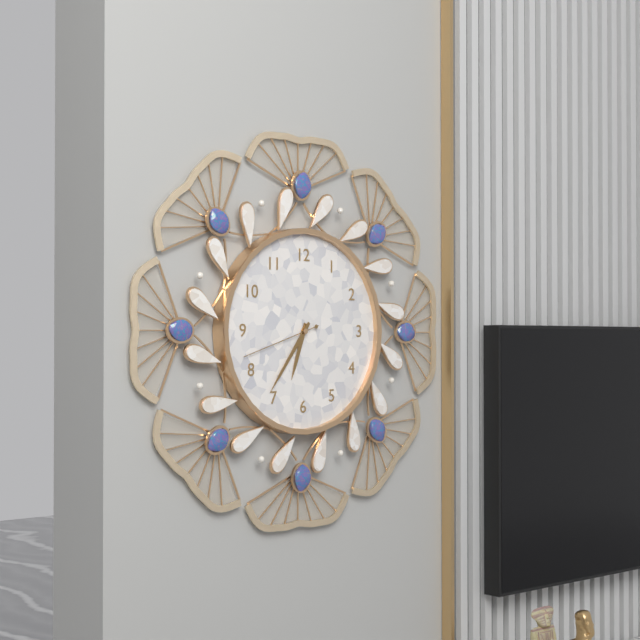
**6:36:42**
